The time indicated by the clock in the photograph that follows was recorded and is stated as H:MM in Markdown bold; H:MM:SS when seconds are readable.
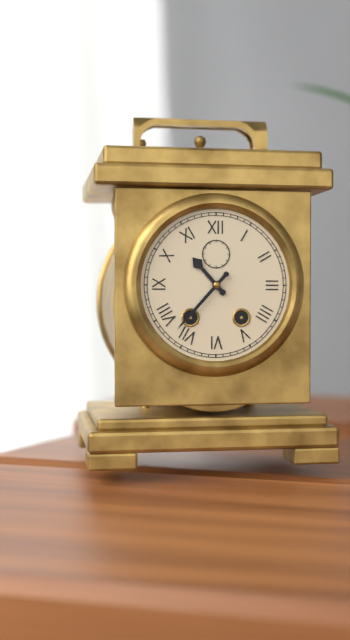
**10:37**
